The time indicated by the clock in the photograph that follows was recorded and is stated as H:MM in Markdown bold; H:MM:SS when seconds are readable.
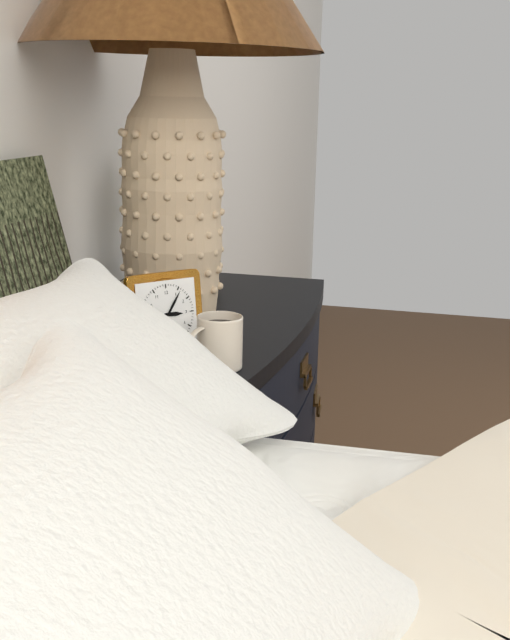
**3:06**
